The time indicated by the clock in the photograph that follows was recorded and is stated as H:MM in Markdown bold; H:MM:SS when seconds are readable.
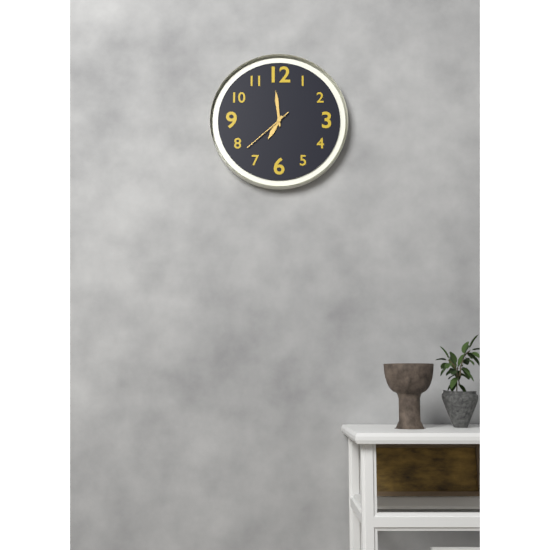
**6:59:38**
